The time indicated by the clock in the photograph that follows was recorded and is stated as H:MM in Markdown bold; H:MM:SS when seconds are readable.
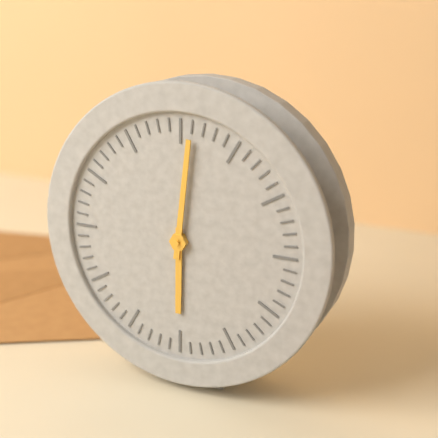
**6:01**
